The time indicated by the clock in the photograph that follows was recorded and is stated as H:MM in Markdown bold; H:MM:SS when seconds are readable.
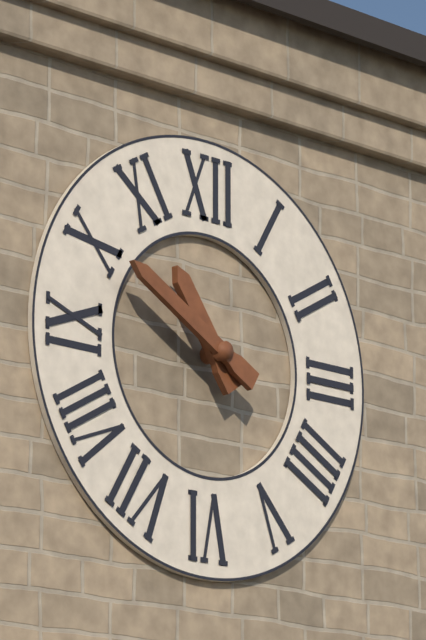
**10:50**
